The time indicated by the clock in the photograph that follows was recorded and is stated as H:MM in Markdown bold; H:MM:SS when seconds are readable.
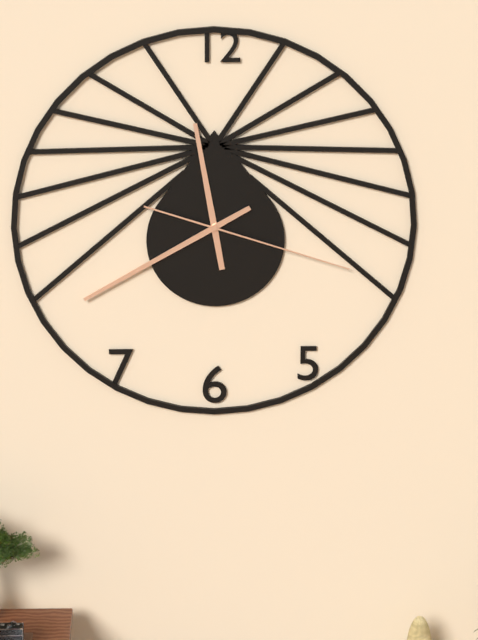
**11:40:18**
